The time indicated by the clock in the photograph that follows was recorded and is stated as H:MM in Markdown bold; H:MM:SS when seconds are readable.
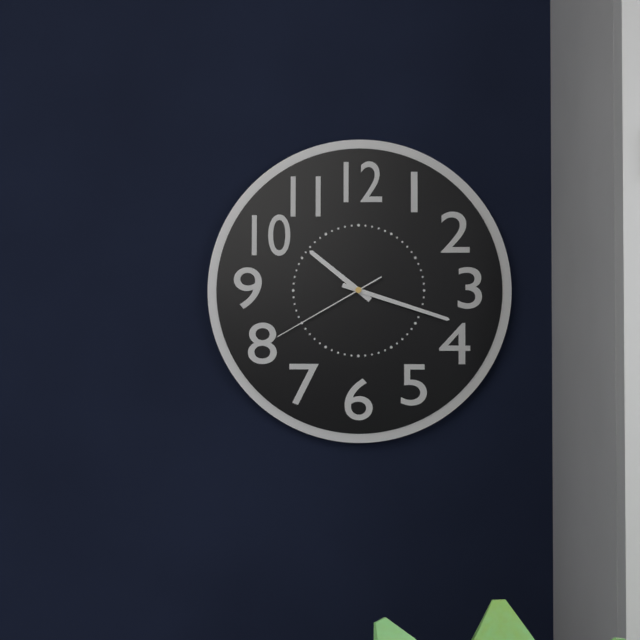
**10:18:40**
